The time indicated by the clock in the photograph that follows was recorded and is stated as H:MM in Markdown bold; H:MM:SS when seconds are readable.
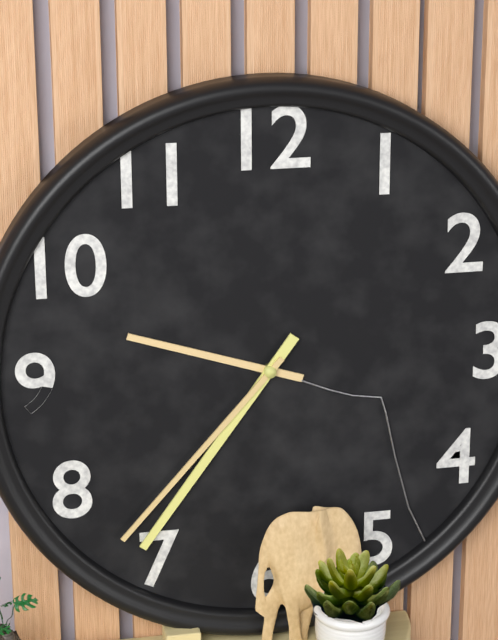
**9:36:37**
